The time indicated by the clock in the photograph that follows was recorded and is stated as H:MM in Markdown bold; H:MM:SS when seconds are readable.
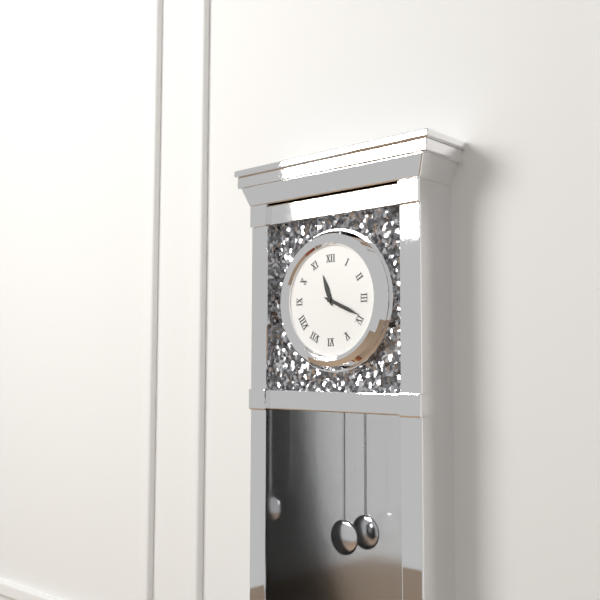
**11:19**
